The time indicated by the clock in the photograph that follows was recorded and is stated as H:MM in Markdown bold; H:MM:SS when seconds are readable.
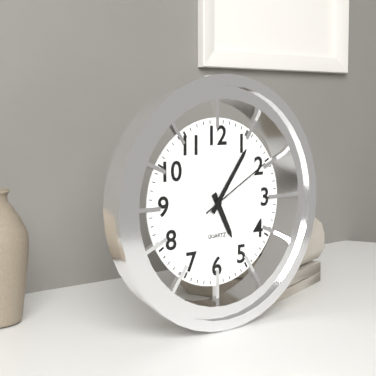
**5:06:10**
